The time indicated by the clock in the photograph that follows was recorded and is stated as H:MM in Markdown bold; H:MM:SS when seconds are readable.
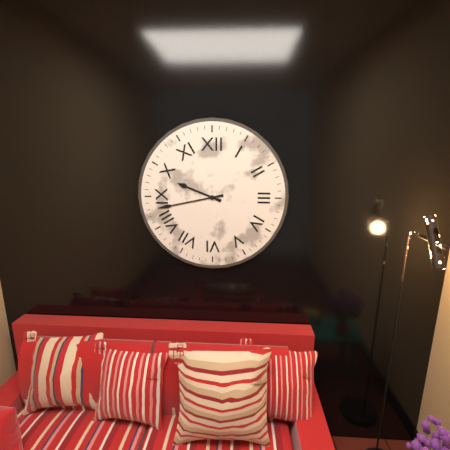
**9:43**
